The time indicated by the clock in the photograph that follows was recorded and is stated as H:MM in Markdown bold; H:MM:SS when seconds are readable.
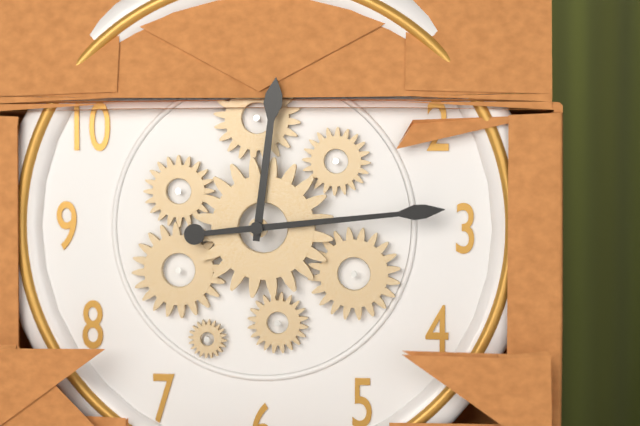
**12:14**
